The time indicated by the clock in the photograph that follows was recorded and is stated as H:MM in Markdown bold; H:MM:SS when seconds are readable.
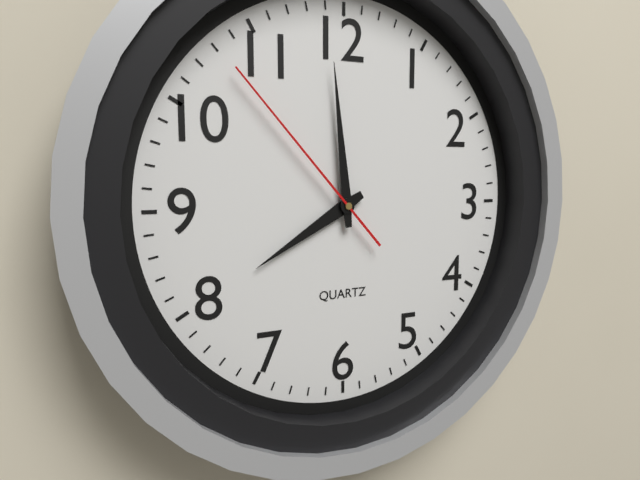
**7:59:53**
